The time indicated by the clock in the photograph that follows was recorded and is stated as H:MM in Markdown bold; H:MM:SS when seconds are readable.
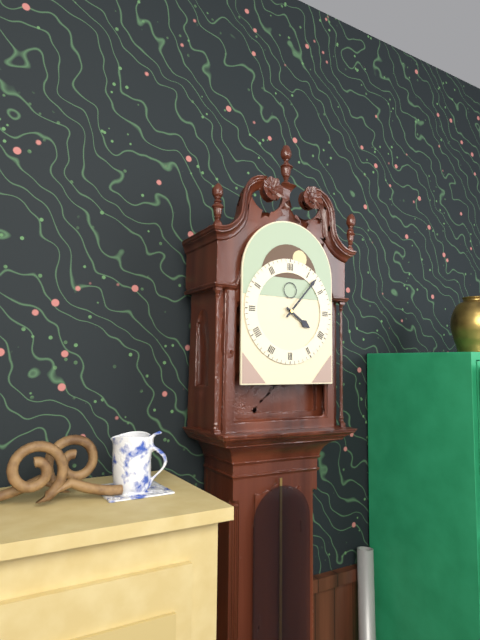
**4:07**
